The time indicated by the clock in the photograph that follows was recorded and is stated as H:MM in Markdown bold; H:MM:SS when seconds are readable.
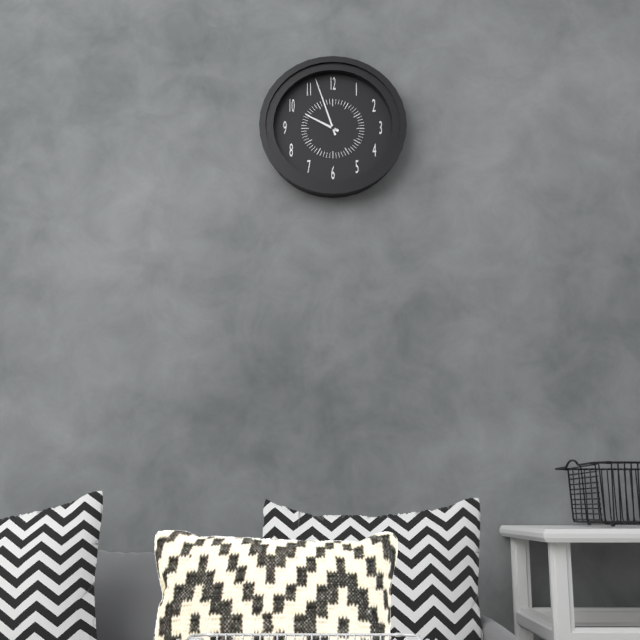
**9:57**
